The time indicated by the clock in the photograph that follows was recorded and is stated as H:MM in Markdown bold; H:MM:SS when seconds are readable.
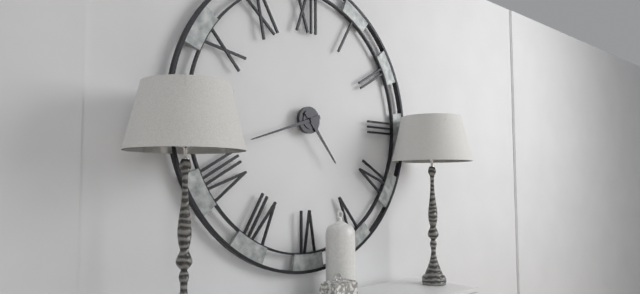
**4:42**
